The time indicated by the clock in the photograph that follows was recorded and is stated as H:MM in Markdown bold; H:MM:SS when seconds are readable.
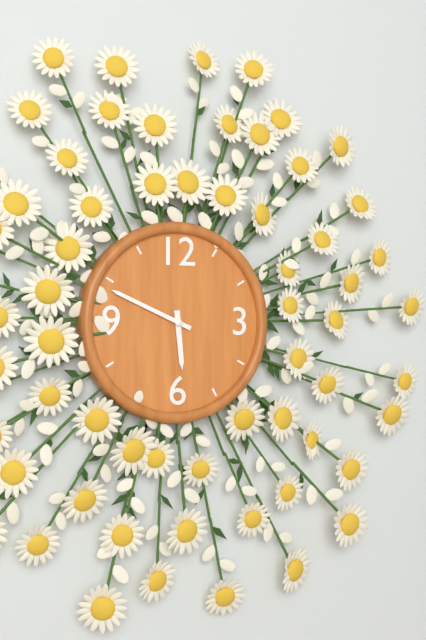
**5:49**
